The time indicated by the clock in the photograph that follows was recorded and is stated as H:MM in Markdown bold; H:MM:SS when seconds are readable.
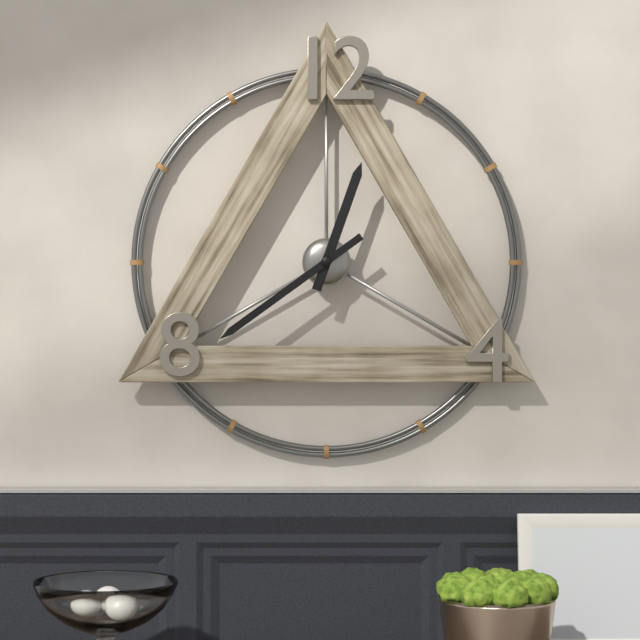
**12:39**
